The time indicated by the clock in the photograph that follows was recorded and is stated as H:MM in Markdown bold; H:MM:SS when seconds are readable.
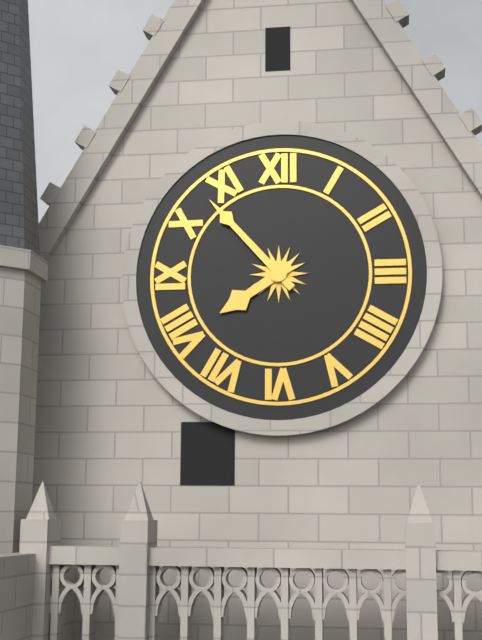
**7:53**
